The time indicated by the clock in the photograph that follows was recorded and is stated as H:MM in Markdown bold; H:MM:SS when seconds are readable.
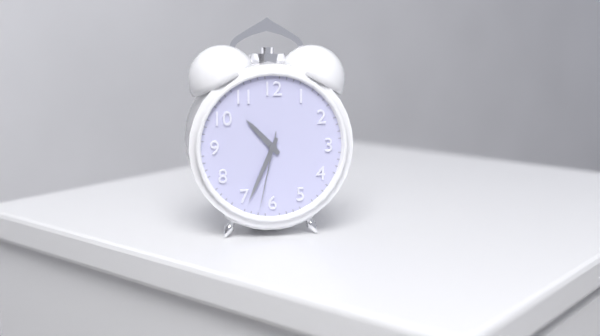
**10:34:32**
